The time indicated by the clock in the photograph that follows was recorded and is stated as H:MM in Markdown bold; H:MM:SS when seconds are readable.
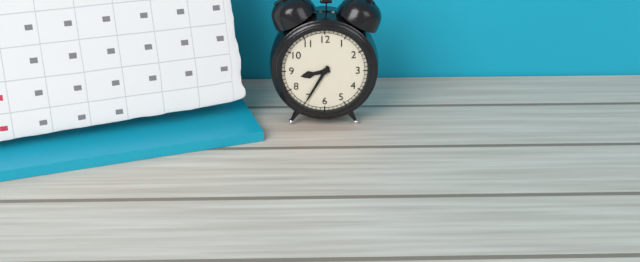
**8:35**
